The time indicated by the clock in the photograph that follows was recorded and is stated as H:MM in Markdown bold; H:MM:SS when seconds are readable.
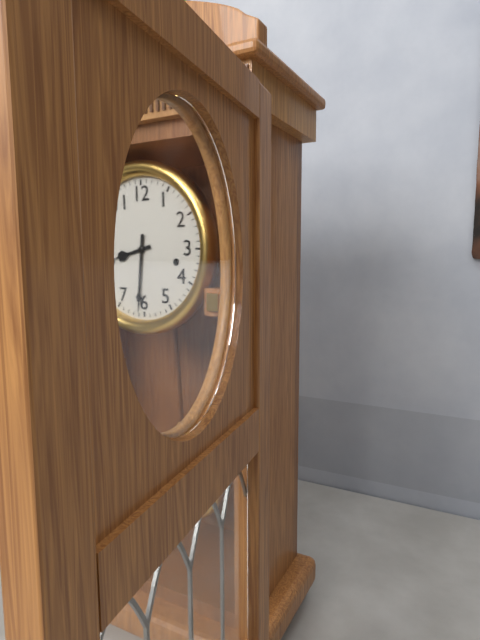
**8:31**
